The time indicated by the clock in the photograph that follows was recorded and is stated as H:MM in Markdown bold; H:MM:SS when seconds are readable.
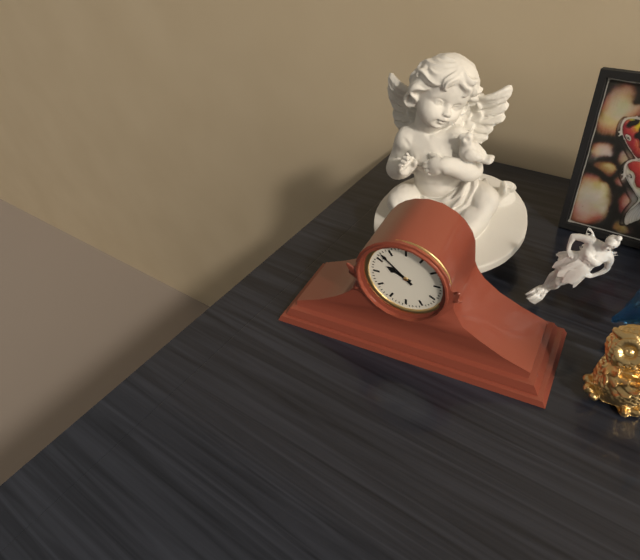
**9:52**
